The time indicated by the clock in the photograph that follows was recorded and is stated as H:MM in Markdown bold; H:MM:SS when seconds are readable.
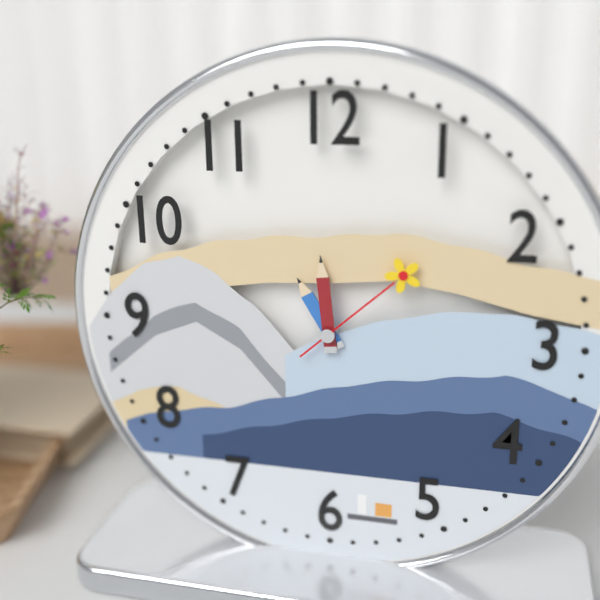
**10:59:08**
